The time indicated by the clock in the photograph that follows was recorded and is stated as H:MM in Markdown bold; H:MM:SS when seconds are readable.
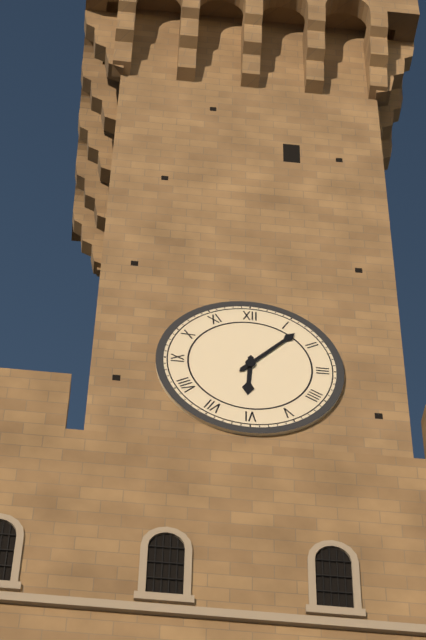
**6:07**
